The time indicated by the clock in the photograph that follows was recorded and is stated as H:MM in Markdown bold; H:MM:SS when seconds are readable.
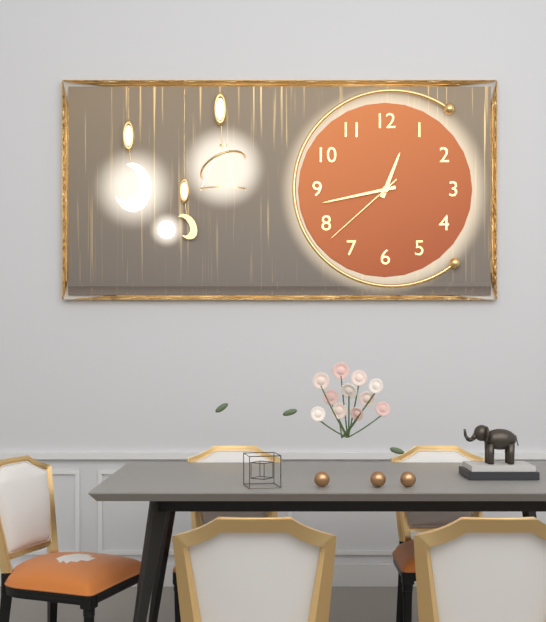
**12:43:38**
